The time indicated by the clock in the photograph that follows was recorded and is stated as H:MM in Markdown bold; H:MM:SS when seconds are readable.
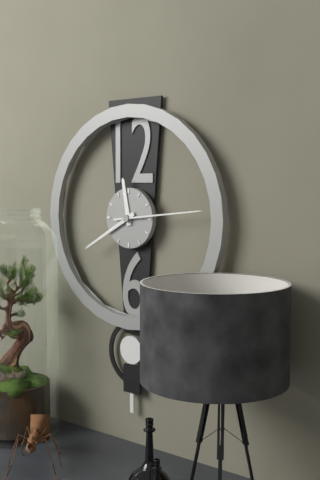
**11:40:14**
